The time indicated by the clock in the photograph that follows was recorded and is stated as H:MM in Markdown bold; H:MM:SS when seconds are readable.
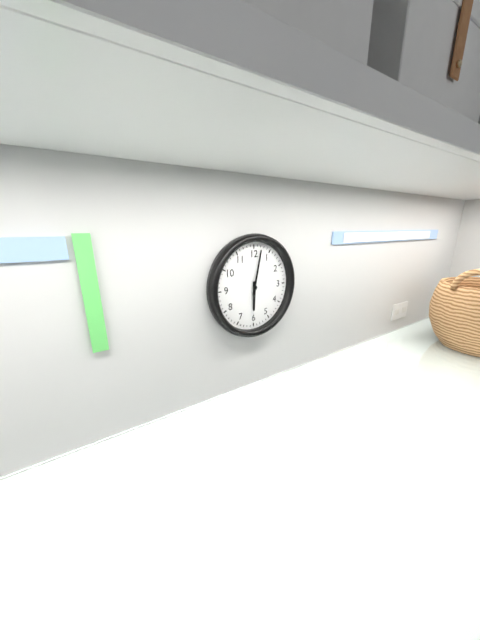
**6:02**
